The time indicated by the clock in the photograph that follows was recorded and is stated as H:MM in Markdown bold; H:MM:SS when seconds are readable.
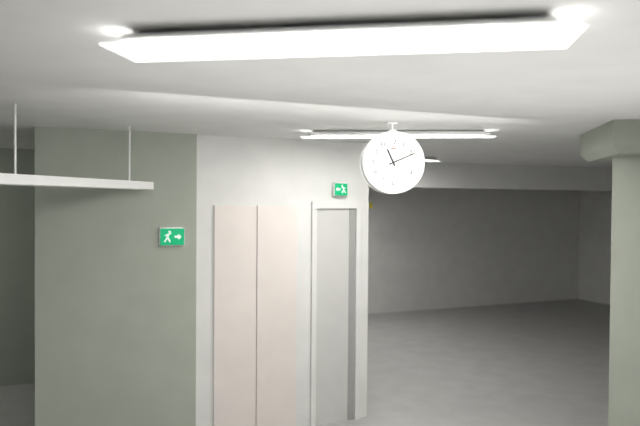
**11:11**
